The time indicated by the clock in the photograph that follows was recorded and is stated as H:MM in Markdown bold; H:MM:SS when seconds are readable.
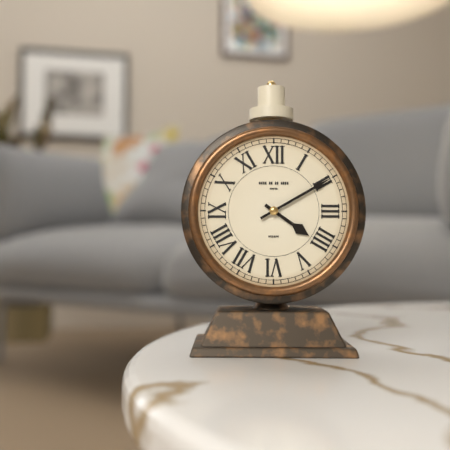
**4:10**
